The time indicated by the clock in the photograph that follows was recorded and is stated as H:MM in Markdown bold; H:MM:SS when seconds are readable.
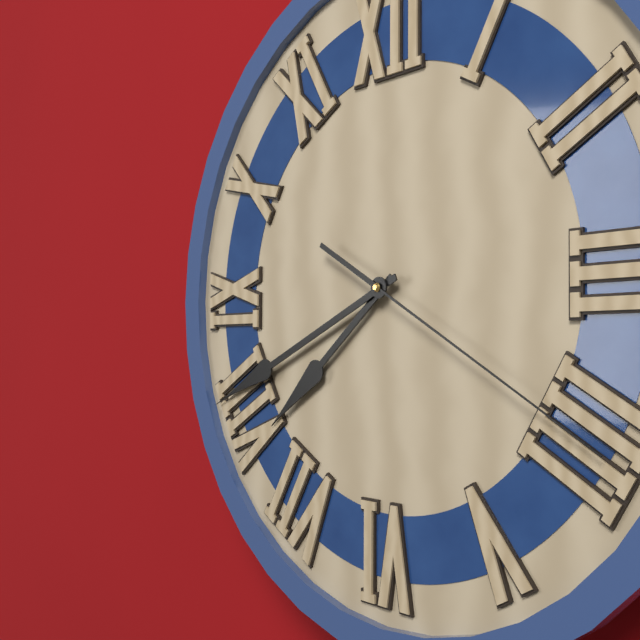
**7:41:20**
